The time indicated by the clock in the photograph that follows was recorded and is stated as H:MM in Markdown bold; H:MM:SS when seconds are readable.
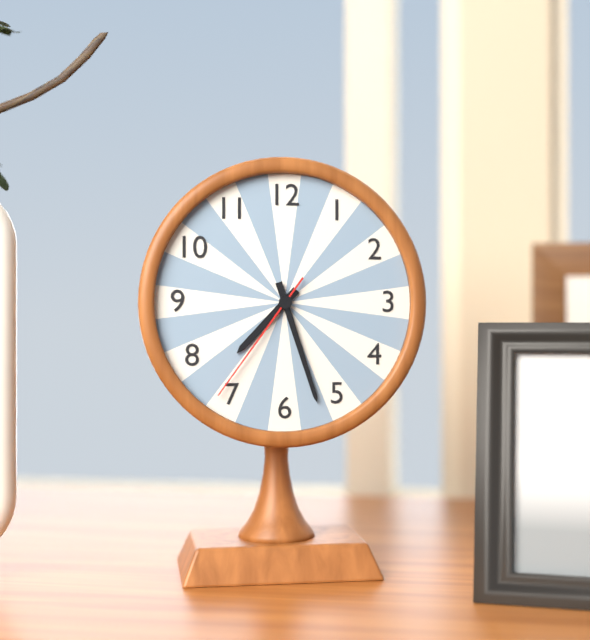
**7:27:36**
